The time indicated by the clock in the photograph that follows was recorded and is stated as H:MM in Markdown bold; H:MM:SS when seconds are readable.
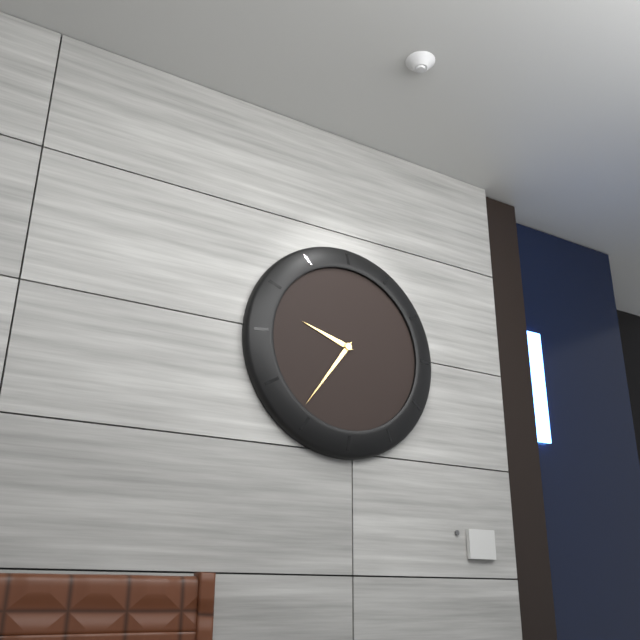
**9:36**
